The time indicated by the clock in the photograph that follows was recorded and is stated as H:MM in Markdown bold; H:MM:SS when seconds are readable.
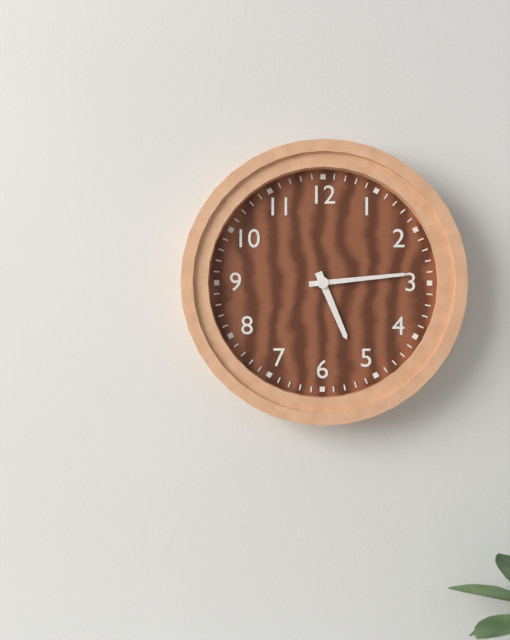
**5:14**
